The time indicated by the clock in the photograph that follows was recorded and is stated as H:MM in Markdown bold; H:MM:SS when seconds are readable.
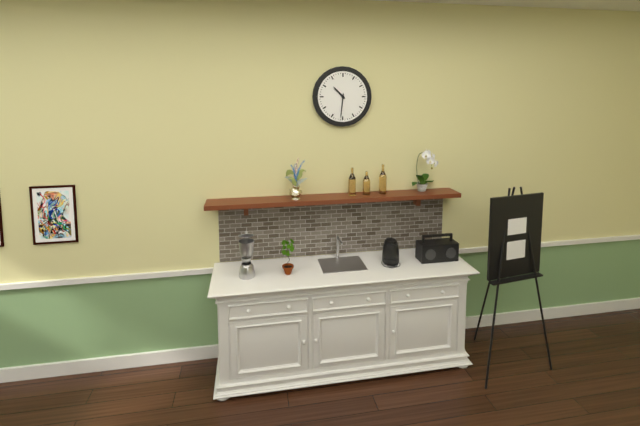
**10:31**
